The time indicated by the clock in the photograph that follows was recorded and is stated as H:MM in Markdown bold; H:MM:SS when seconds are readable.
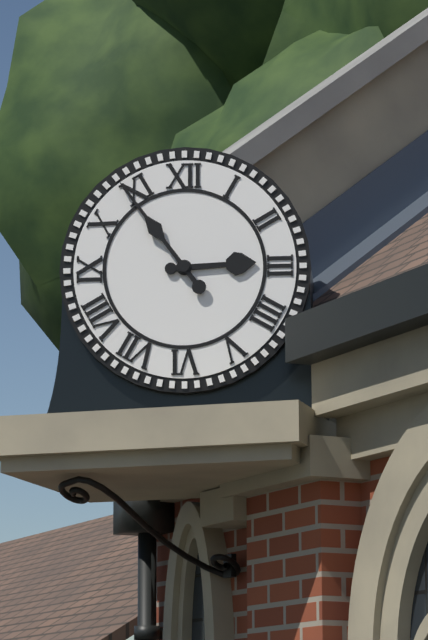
**2:54**
